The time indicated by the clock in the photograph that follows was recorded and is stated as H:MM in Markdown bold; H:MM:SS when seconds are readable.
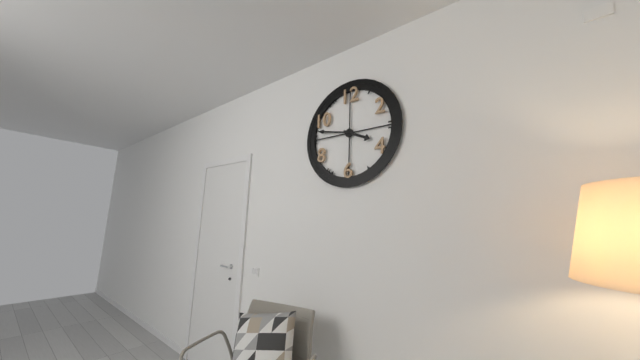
**3:47**
